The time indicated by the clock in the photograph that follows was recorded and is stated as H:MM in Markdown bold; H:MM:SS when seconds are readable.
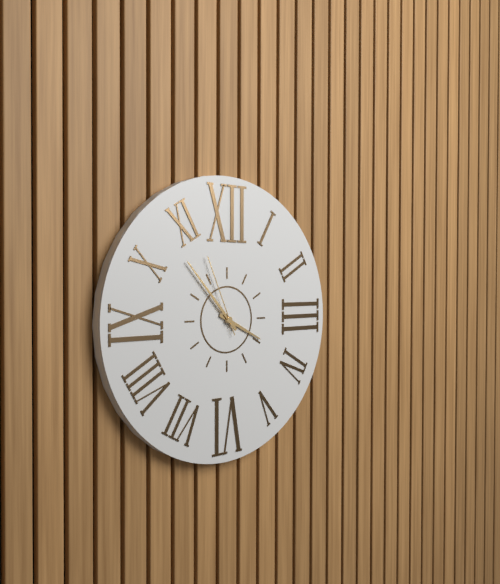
**3:53:56**
